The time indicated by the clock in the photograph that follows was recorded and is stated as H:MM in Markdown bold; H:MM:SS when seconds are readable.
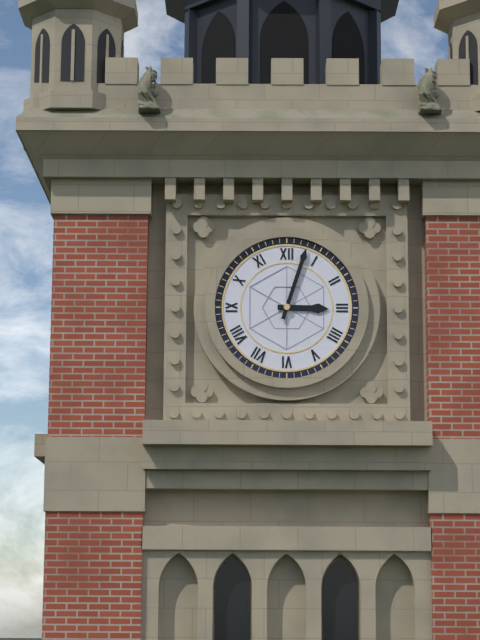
**3:03**
